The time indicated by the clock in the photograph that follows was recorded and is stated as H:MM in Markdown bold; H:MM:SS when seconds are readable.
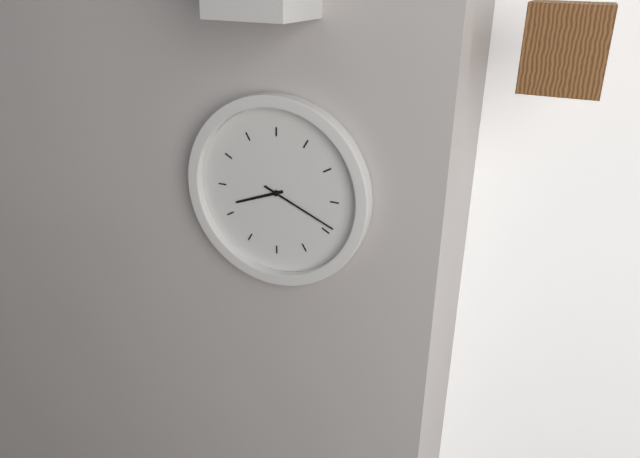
**8:19**
